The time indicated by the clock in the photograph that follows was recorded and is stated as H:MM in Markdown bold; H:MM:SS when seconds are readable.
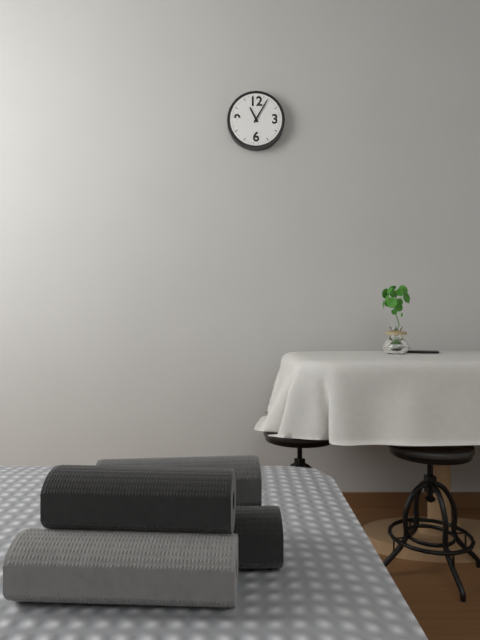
**11:05**
